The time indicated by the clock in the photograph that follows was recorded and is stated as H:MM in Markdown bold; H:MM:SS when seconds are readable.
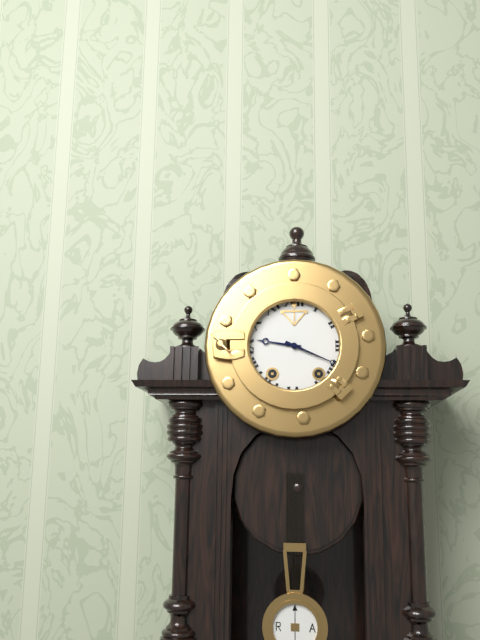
**9:19**
